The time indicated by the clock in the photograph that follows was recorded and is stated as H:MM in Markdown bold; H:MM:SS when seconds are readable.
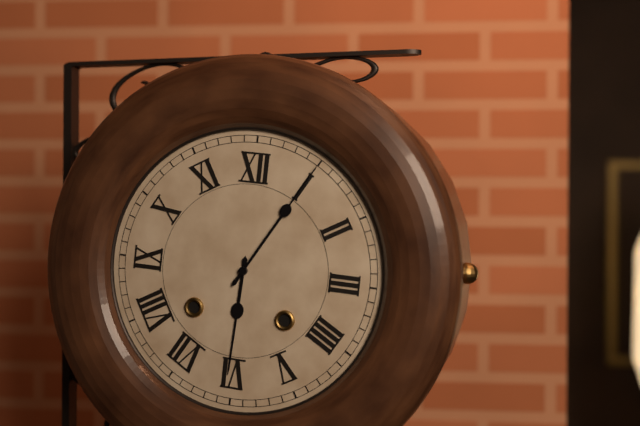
**6:05**
